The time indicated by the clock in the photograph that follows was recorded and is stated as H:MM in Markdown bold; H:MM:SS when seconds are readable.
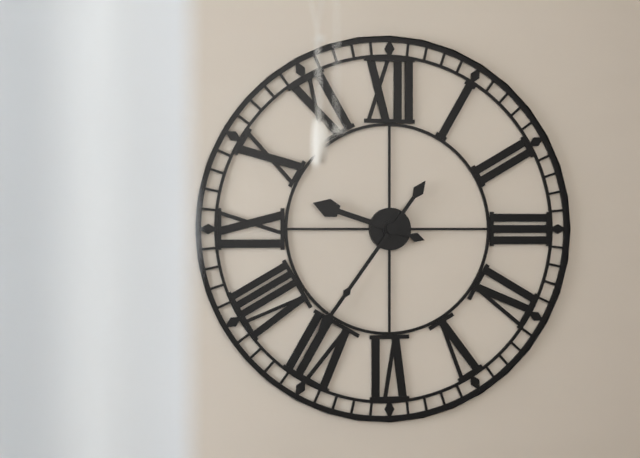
**9:36**
